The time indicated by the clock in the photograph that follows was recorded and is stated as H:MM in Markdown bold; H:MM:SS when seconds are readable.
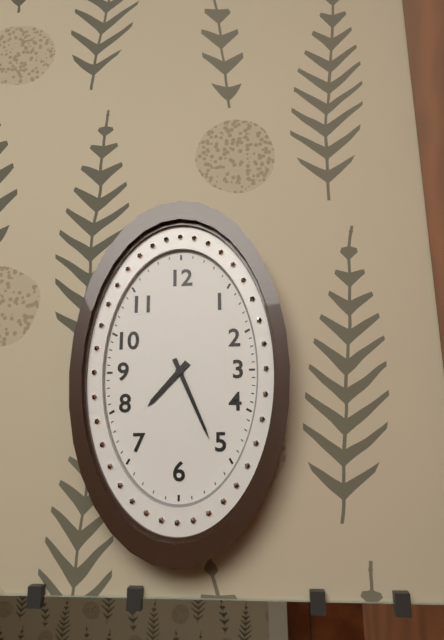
**7:26**
